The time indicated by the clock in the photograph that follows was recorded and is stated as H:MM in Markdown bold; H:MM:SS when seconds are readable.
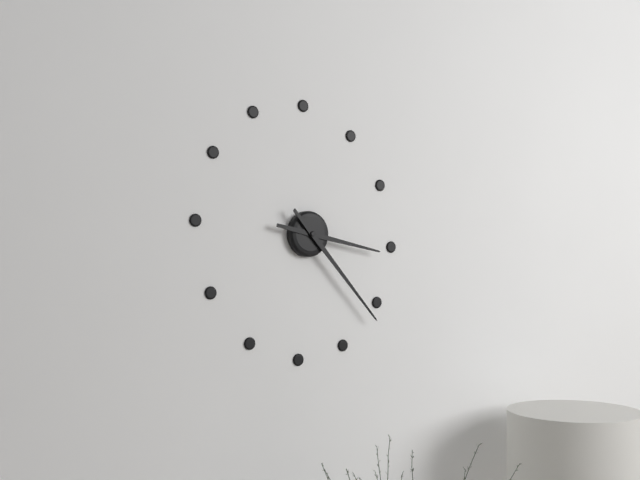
**3:23**
